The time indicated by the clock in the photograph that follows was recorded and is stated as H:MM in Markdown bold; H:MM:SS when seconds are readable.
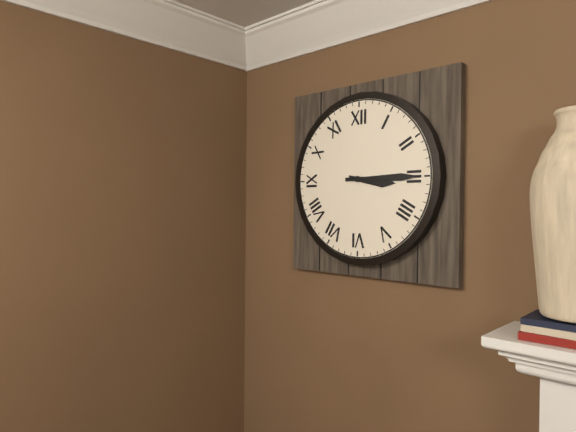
**3:15**
